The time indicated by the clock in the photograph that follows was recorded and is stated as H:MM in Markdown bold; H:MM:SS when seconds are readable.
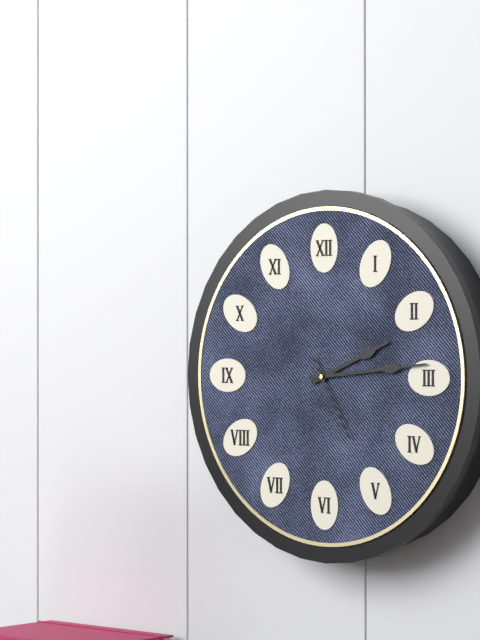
**2:14:25**
